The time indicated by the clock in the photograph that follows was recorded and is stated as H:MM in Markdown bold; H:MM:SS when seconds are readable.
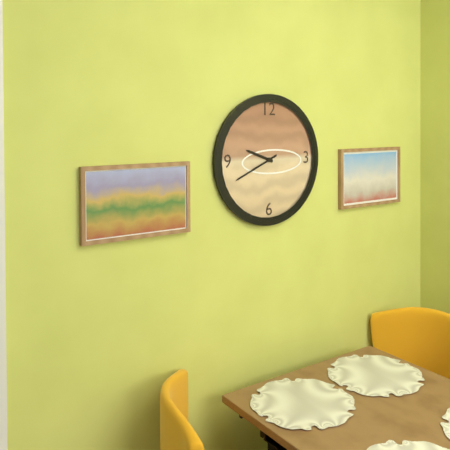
**9:41**
